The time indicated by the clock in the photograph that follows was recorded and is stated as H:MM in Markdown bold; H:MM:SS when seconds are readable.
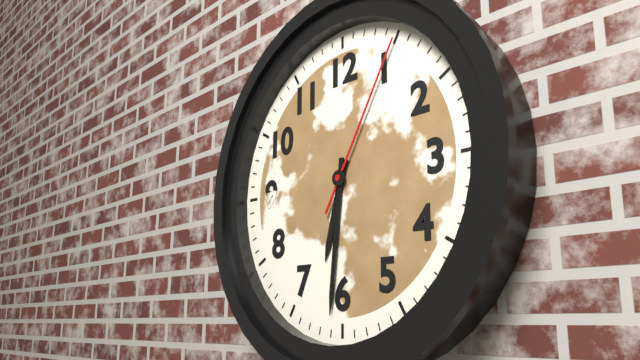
**6:31:05**
